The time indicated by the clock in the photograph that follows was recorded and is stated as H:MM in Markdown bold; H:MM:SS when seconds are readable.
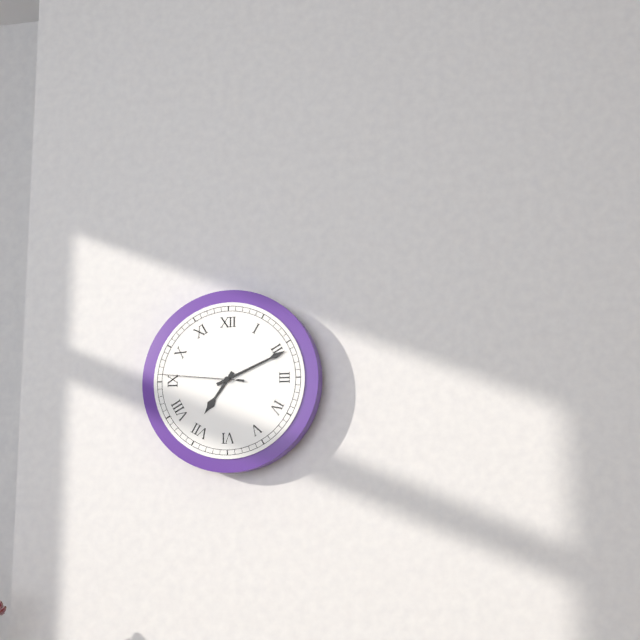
**7:11:46**
